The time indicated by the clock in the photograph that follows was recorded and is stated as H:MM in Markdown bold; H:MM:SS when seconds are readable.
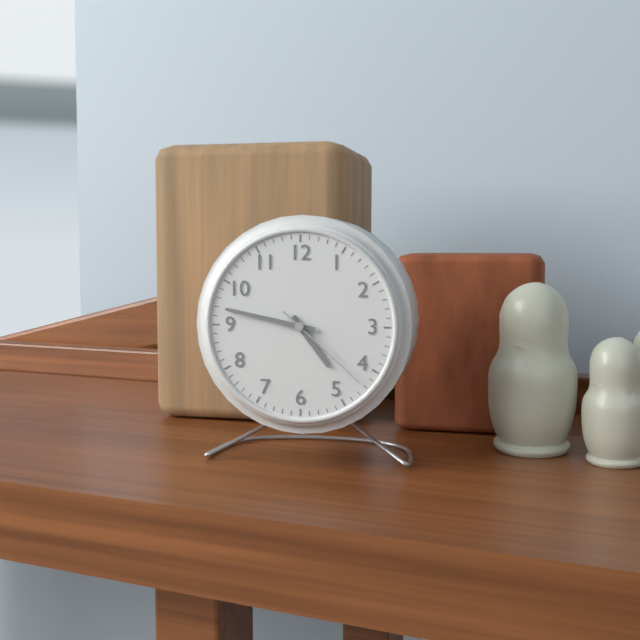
**4:47:22**
